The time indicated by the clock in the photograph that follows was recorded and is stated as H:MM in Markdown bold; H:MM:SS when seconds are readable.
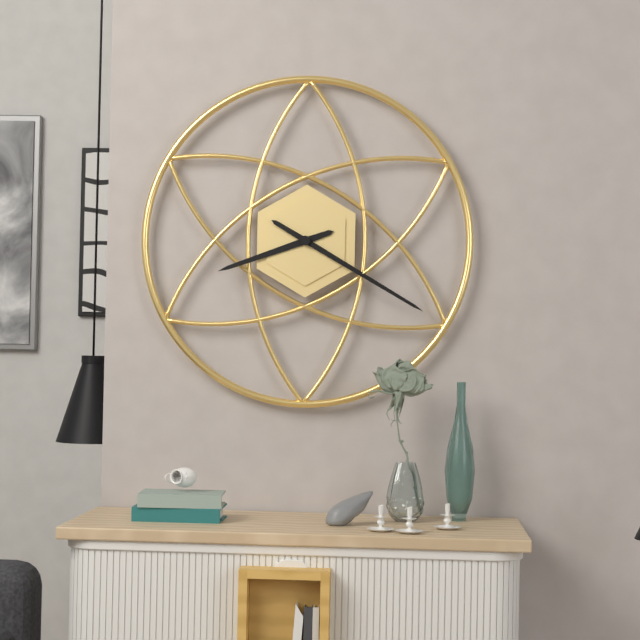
**8:20**
